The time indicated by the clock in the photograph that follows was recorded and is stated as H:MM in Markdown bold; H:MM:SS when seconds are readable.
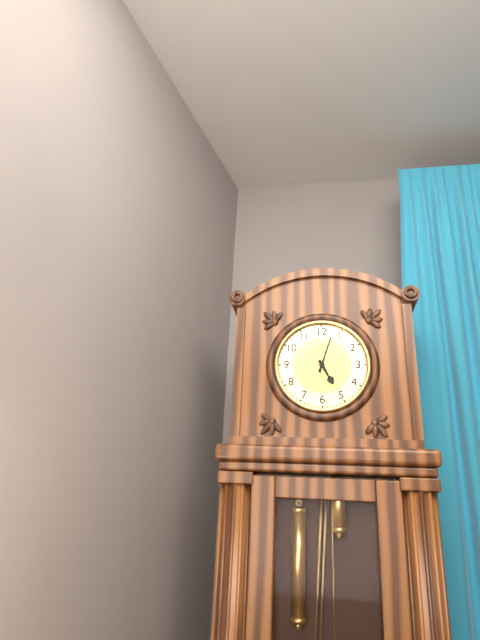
**5:03**
